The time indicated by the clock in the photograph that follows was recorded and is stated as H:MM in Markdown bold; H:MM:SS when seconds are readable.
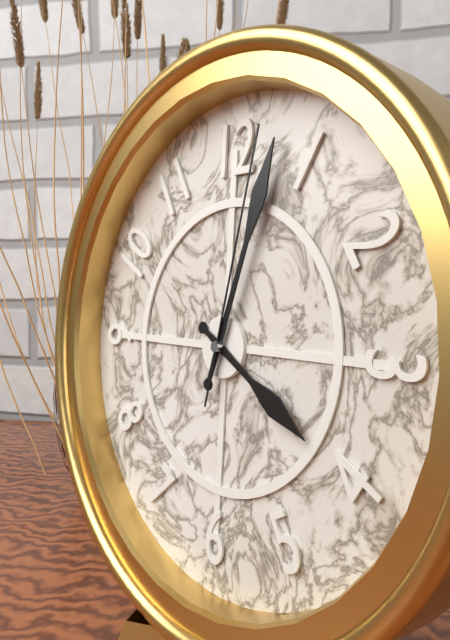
**4:03:02**
